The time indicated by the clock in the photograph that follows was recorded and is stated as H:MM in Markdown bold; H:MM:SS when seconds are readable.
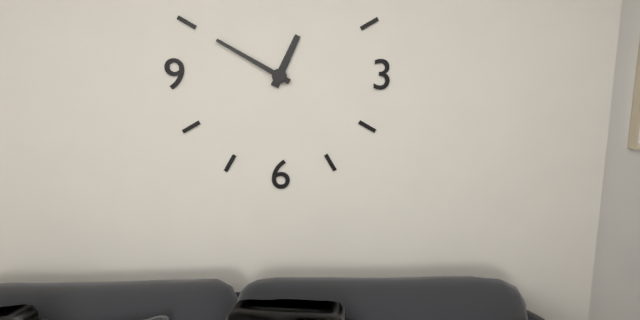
**12:50**
